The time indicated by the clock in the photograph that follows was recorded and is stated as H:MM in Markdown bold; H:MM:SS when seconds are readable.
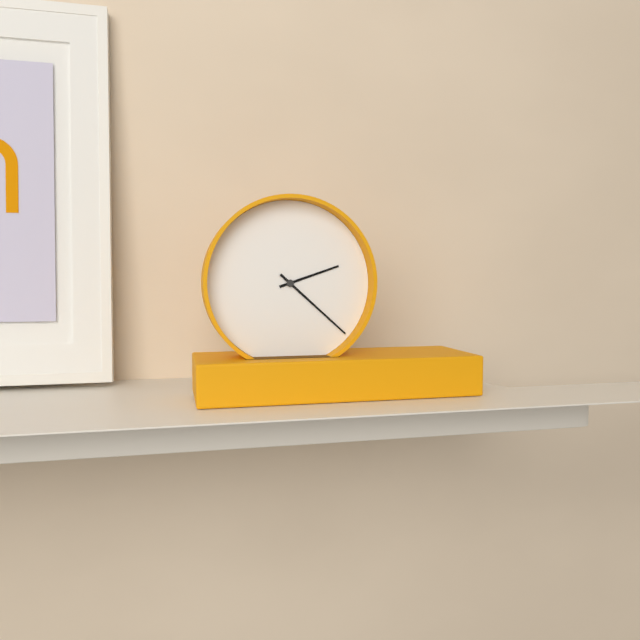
**2:22**
